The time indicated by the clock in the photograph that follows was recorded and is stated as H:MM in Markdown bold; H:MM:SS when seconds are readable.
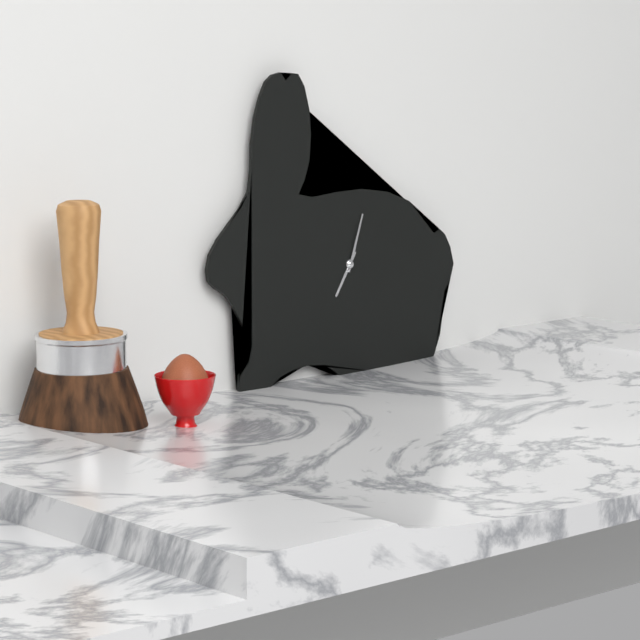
**7:03**
